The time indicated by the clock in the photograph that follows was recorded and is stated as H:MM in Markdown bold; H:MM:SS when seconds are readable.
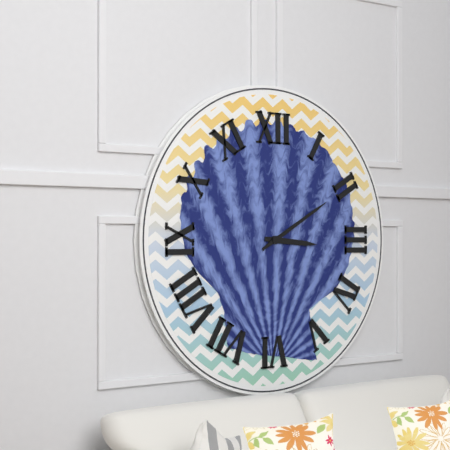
**3:10**
